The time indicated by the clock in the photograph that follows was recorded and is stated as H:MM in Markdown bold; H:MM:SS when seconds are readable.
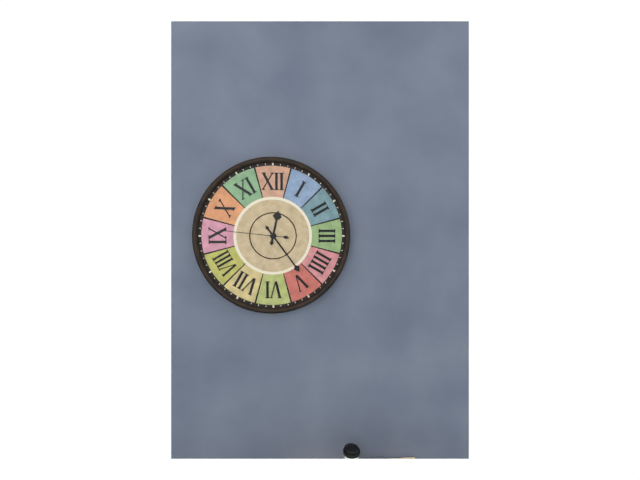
**12:24:46**
